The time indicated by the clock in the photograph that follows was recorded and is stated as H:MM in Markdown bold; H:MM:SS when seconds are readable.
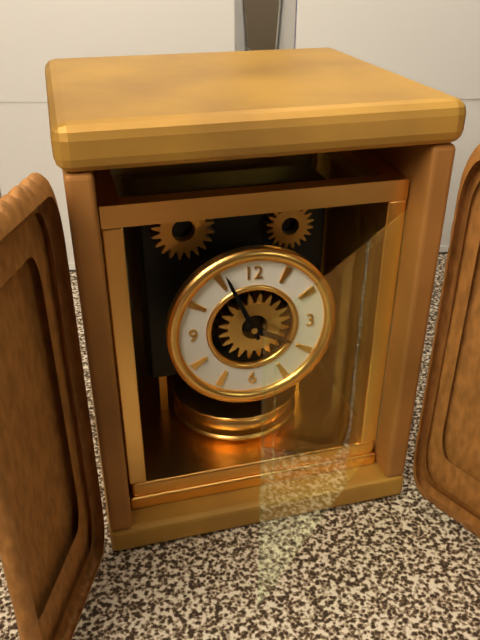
**3:56**
